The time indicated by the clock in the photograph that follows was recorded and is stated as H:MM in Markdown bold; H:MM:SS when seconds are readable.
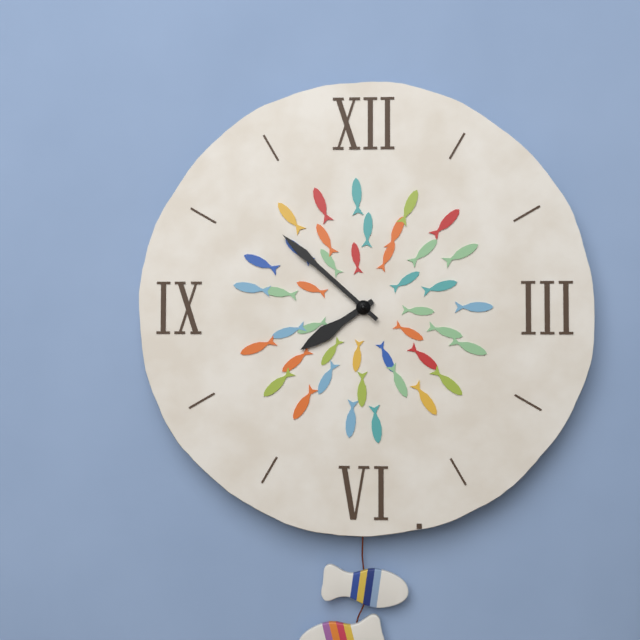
**7:52**
